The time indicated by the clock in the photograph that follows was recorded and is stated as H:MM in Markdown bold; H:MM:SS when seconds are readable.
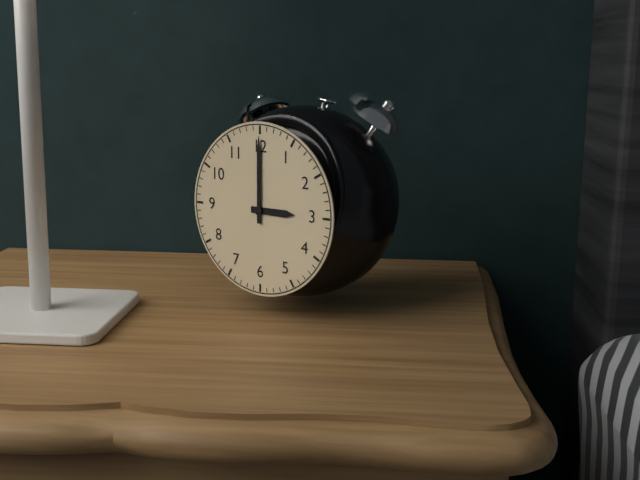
**3:00**
